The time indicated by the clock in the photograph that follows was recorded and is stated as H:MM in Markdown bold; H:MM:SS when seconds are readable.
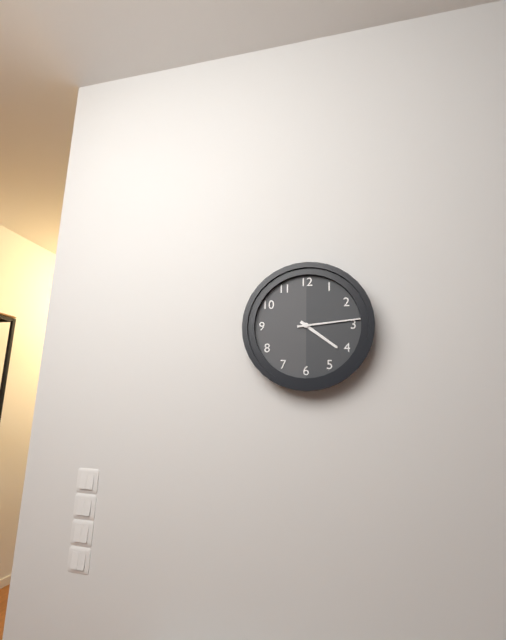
**4:14**
